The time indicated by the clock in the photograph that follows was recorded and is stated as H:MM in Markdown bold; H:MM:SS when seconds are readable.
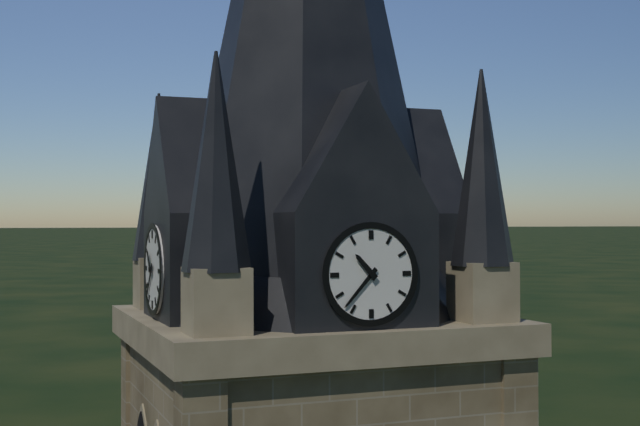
**10:37**
